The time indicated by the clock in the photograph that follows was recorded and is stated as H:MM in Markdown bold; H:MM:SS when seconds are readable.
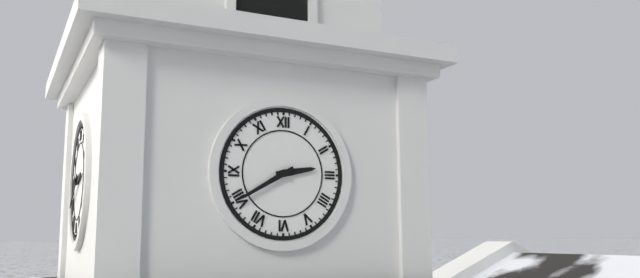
**2:40**
